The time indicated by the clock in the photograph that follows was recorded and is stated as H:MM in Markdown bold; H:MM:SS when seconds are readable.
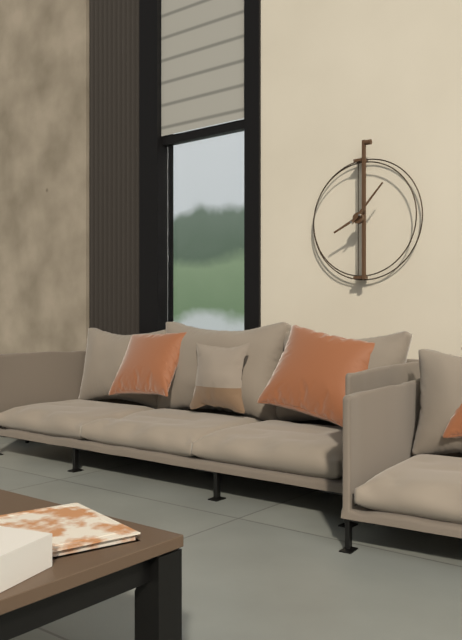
**8:07**
